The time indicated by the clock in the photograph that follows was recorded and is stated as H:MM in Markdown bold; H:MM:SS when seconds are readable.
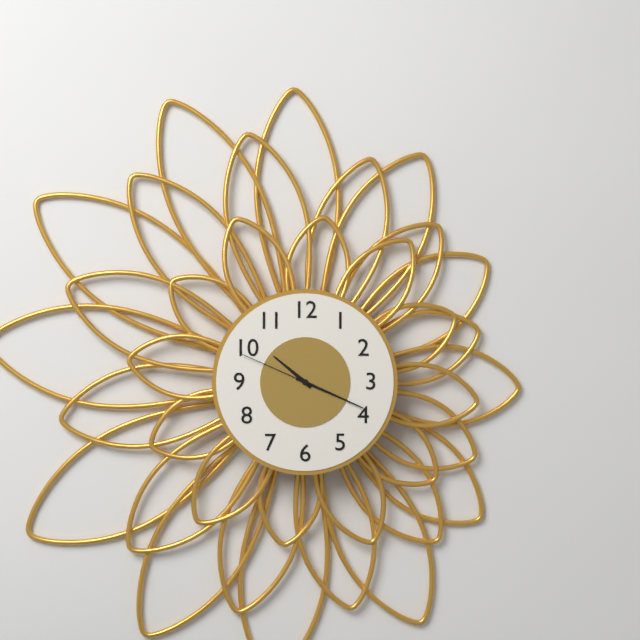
**10:19:49**
